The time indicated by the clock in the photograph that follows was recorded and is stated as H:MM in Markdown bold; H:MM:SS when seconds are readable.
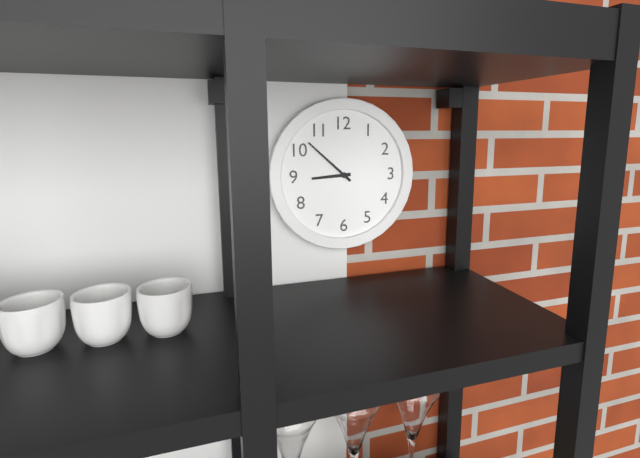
**8:52**
